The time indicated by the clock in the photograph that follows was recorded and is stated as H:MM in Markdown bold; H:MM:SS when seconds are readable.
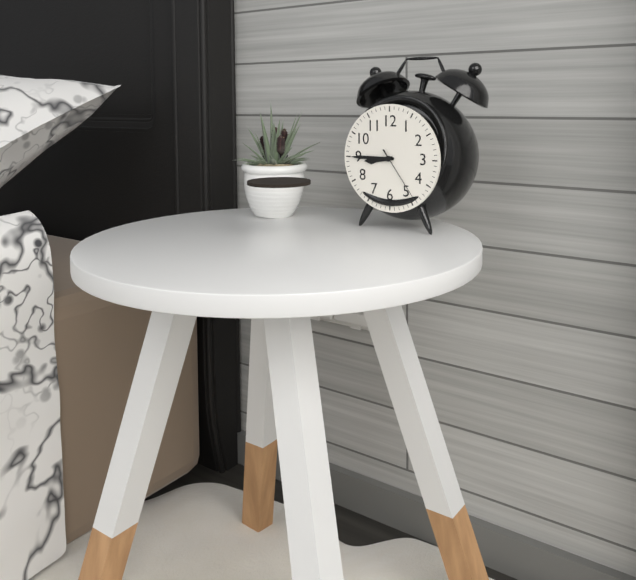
**8:45:24**
